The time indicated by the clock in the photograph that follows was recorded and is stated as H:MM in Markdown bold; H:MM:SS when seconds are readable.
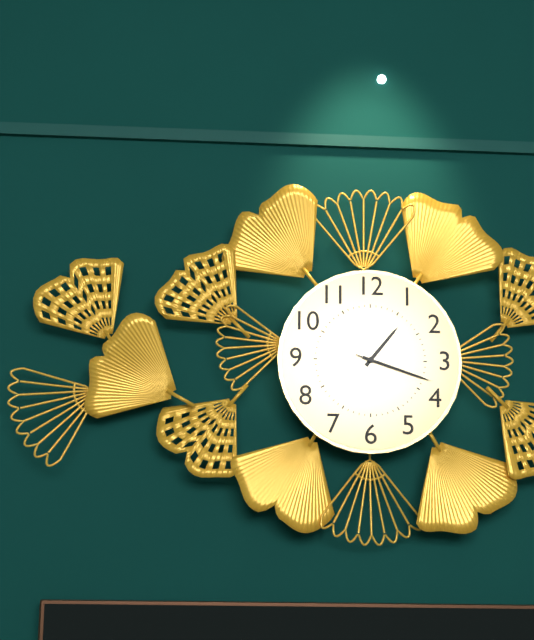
**1:18:18**
